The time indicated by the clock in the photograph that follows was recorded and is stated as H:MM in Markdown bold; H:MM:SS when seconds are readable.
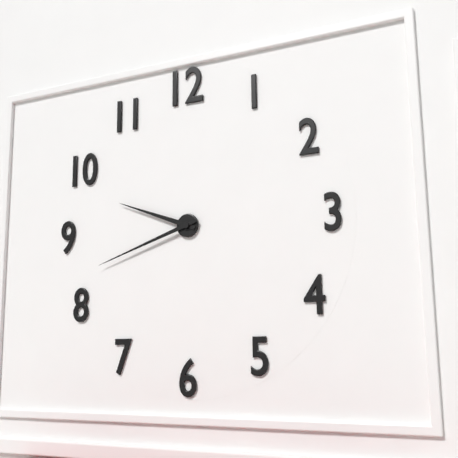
**9:42**
